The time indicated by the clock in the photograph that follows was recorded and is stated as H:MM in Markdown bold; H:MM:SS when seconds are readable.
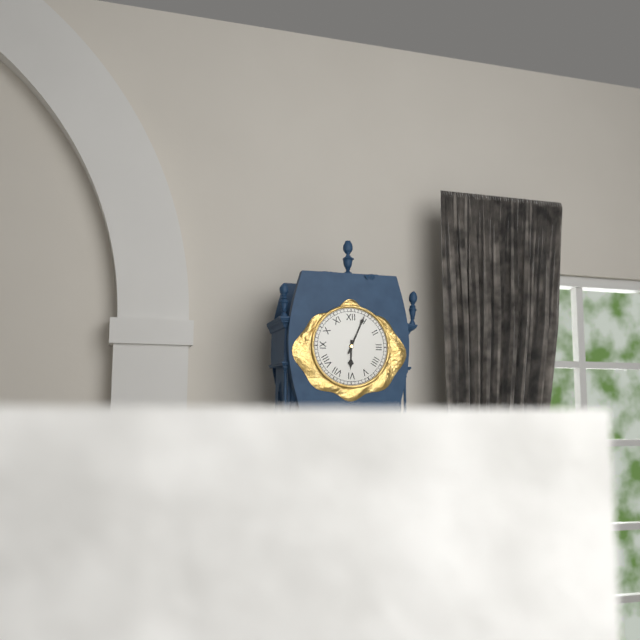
**6:04**
